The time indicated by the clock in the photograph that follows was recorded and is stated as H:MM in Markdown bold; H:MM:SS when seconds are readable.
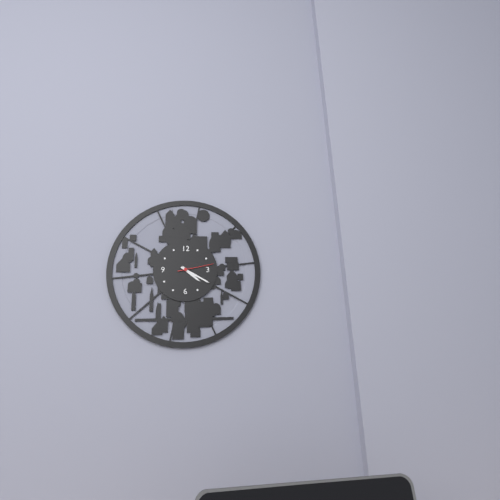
**4:20**
